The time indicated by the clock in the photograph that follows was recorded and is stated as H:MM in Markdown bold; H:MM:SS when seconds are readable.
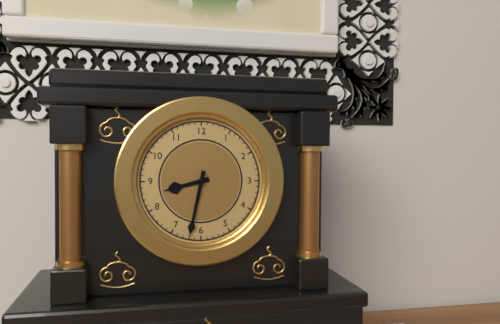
**8:32**
